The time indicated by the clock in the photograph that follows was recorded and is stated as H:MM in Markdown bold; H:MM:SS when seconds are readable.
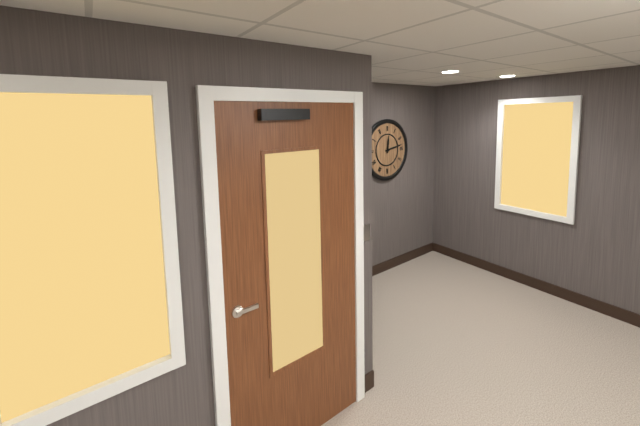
**12:13**
